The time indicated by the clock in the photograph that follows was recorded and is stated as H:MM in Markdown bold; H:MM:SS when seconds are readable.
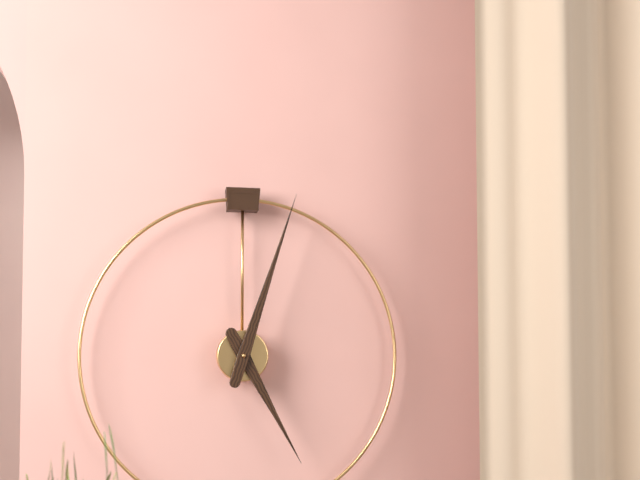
**5:03**
